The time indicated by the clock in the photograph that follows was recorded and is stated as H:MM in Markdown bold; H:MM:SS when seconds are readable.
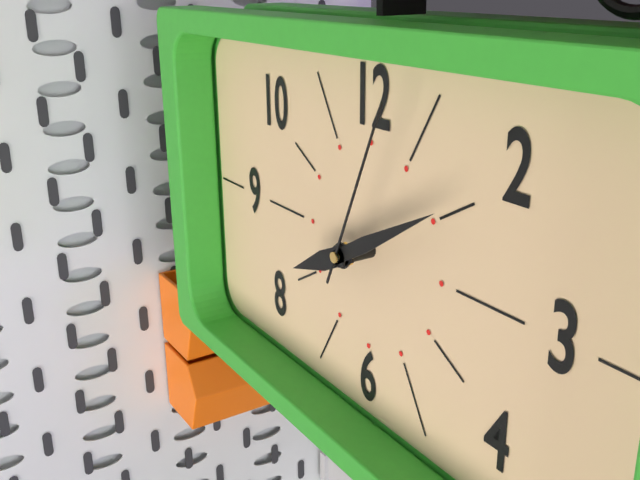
**8:10:04**
